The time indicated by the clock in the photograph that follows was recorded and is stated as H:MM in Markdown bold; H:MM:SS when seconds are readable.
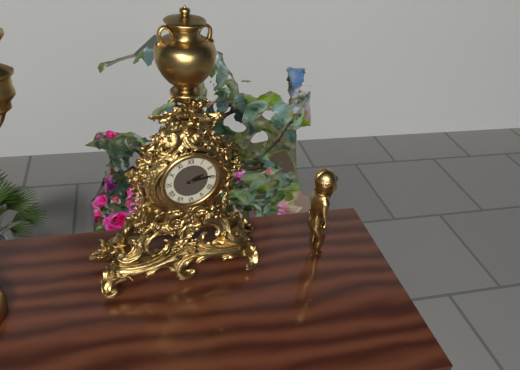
**2:14**
